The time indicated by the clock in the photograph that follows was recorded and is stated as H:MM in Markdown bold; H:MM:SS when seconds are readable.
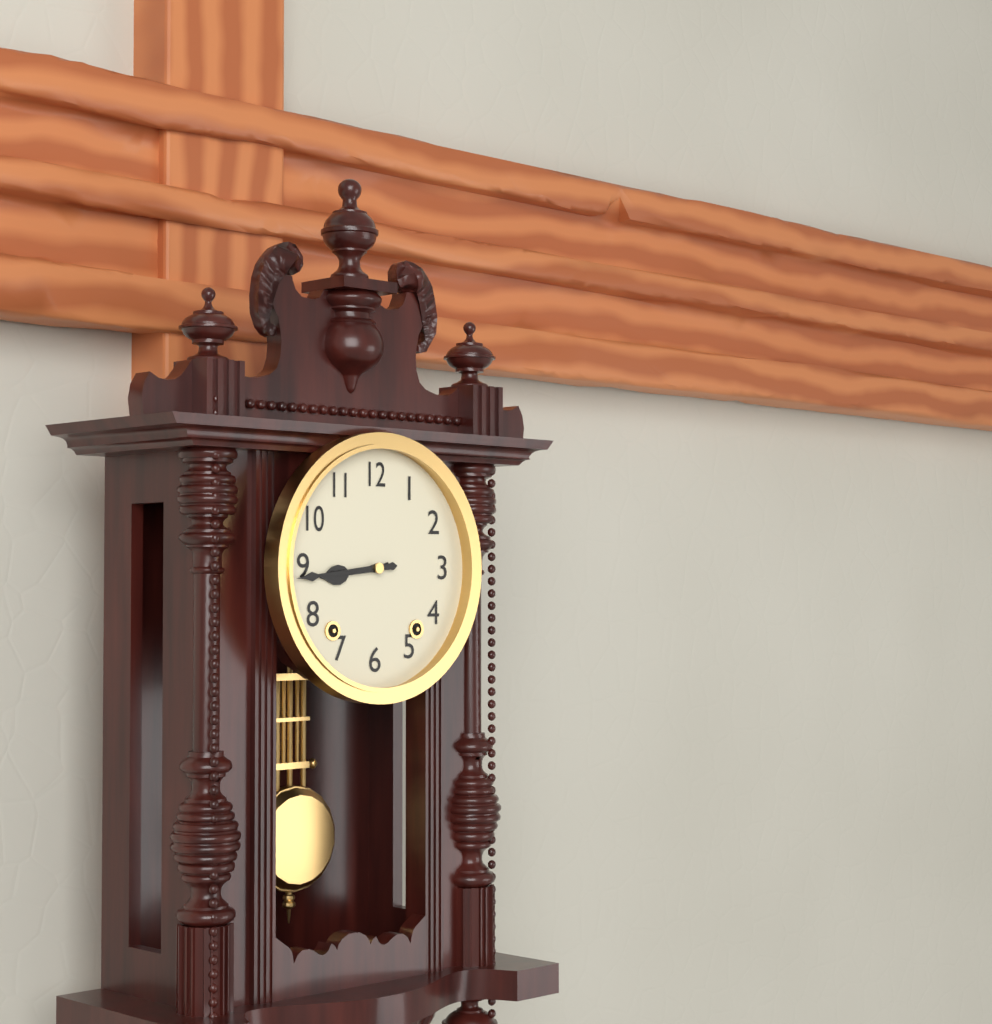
**8:44**
